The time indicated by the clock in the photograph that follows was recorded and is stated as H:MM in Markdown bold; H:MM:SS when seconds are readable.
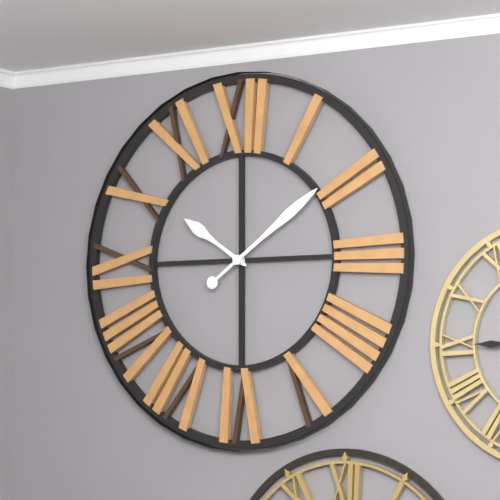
**10:09**
